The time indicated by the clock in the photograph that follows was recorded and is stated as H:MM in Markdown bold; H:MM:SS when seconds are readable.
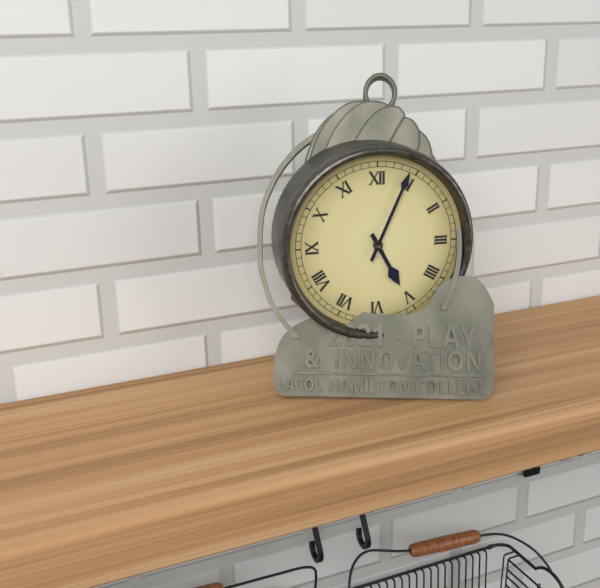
**5:04**
